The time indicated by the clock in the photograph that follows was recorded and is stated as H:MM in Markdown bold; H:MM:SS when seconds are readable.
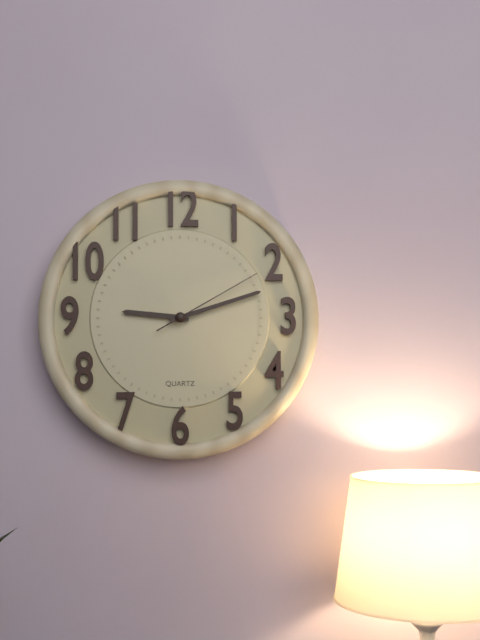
**9:12:10**
